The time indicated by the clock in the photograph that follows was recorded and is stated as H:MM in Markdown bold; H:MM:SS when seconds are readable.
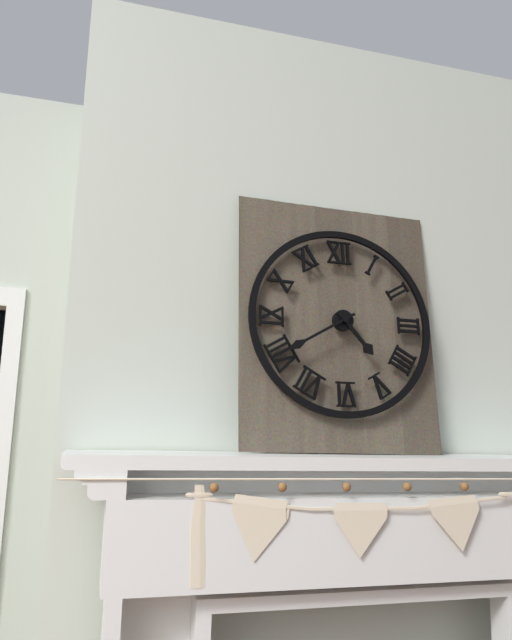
**4:40**
